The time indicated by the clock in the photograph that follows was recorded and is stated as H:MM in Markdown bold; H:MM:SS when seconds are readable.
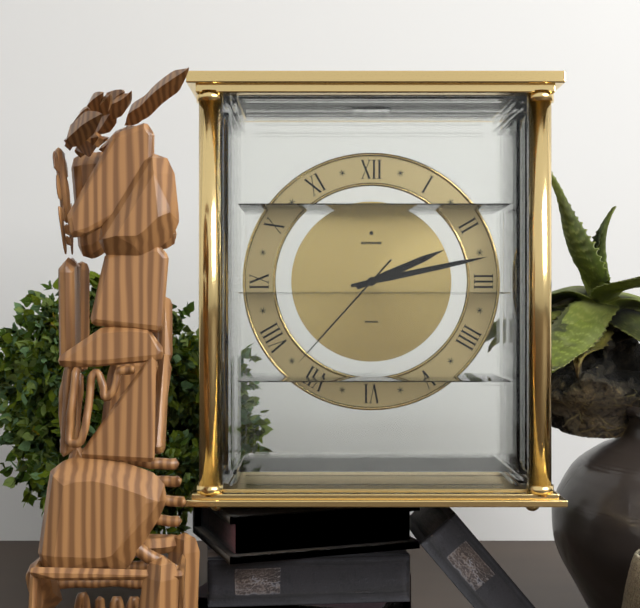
**2:13:37**
